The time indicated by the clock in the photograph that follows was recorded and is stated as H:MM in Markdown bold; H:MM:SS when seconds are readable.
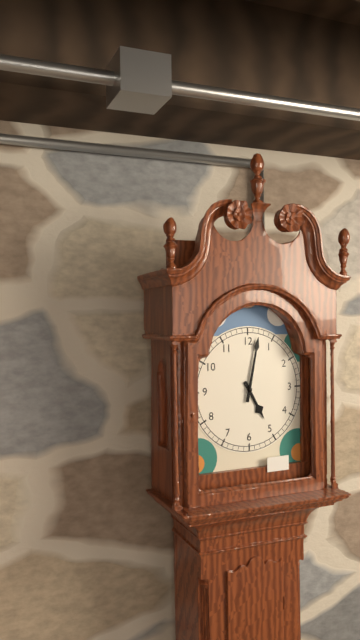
**5:02**
